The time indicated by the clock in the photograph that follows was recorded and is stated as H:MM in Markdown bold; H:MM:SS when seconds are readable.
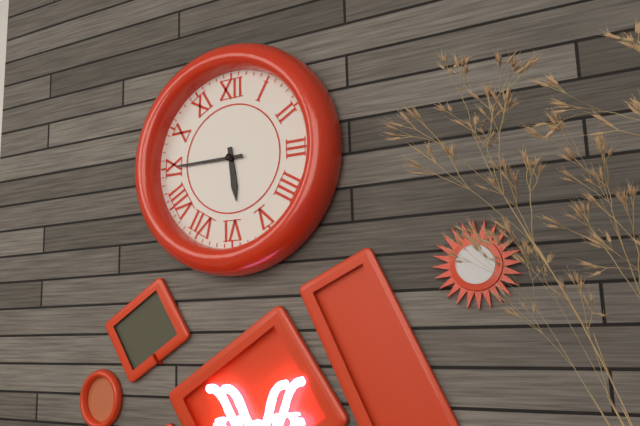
**5:45**
